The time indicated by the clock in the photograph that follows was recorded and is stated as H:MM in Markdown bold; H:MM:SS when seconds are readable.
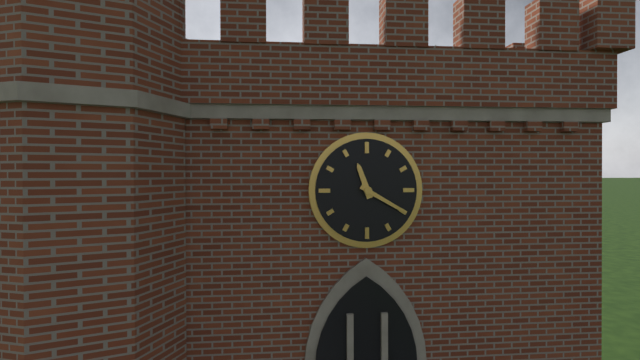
**11:20**
